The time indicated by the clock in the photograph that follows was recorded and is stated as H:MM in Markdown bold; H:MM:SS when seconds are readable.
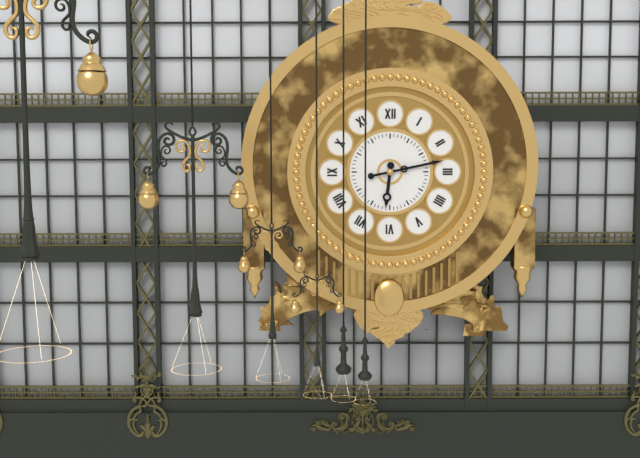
**6:13**
